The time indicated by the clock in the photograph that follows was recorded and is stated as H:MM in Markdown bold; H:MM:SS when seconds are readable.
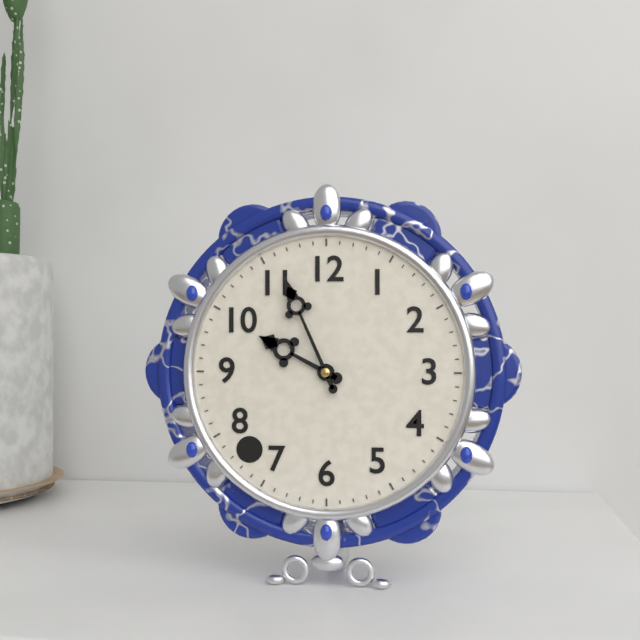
**9:56**
